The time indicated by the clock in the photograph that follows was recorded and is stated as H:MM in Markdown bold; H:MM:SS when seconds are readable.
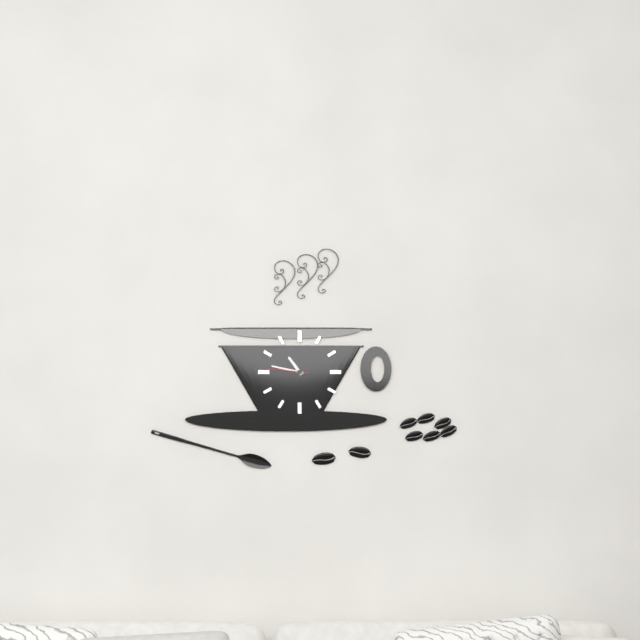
**10:47**
